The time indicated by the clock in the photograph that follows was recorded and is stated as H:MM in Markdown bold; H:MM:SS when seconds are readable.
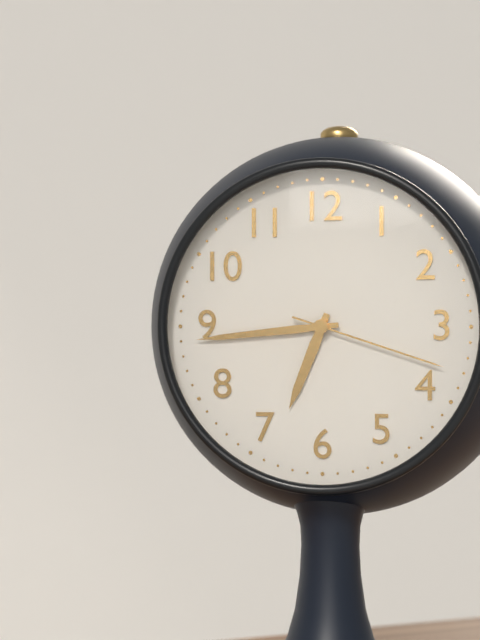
**6:44:18**
